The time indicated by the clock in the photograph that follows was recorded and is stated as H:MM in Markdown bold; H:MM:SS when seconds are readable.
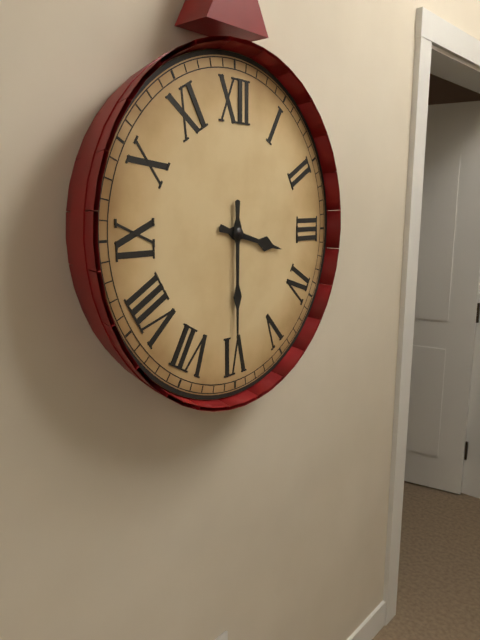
**3:30**
